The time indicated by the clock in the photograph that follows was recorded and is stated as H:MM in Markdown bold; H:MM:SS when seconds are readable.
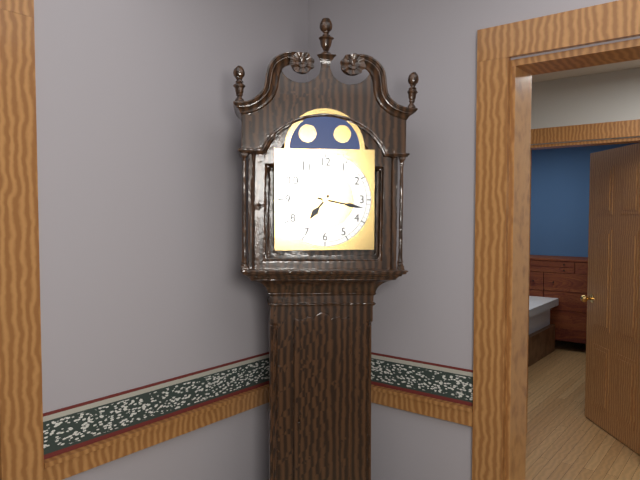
**7:17**
